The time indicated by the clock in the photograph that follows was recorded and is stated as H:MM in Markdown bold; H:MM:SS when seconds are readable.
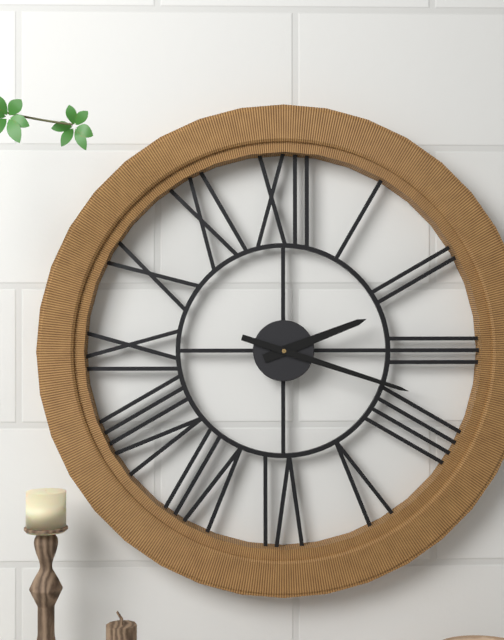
**2:18**
